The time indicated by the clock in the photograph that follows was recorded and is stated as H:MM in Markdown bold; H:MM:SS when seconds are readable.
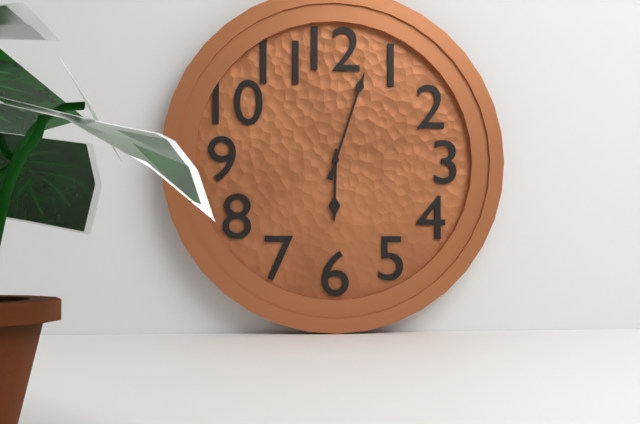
**6:03**
